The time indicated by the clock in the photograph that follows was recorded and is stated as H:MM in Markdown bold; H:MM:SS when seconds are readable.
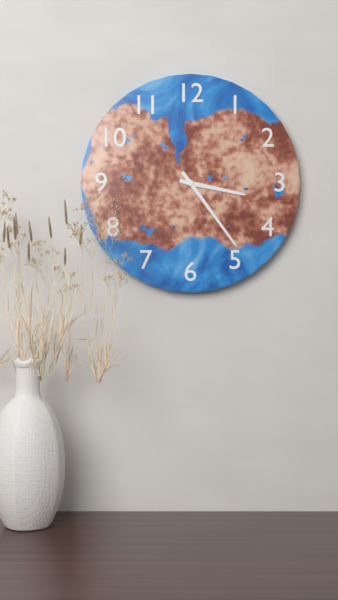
**3:24**
